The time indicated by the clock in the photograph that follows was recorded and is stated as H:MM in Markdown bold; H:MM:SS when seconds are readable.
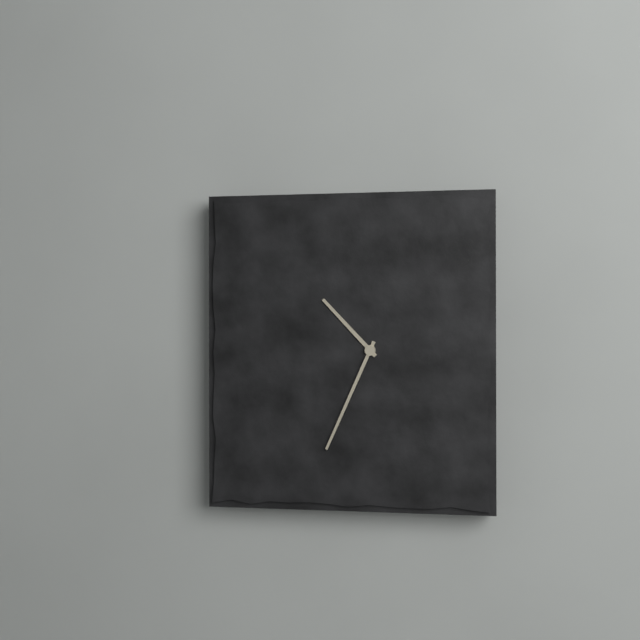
**10:34**
